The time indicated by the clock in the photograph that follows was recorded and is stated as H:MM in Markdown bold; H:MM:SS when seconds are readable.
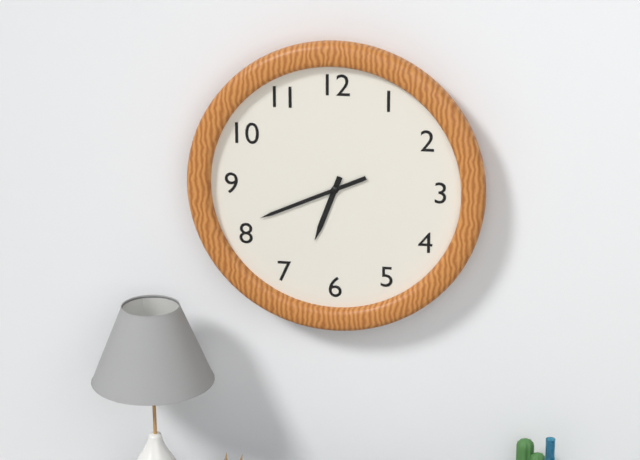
**6:41**
